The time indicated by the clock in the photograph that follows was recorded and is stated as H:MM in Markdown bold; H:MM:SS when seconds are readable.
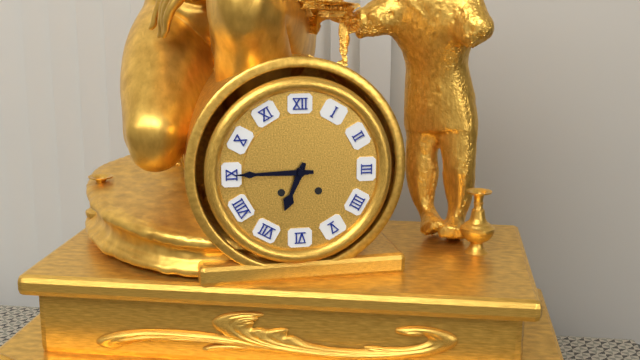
**6:45**
